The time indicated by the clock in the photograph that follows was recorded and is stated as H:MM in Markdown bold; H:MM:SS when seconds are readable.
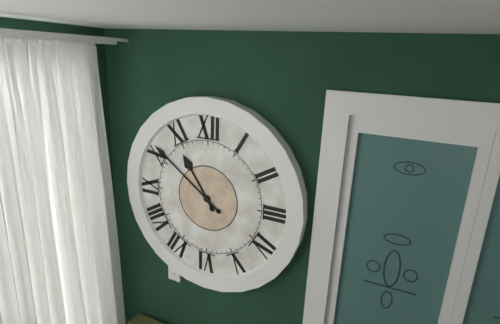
**10:51**
